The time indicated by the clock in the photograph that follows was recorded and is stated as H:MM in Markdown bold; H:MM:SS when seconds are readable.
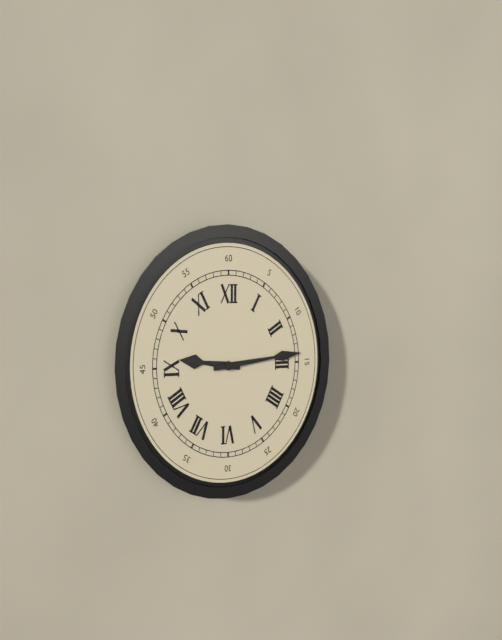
**9:14**
